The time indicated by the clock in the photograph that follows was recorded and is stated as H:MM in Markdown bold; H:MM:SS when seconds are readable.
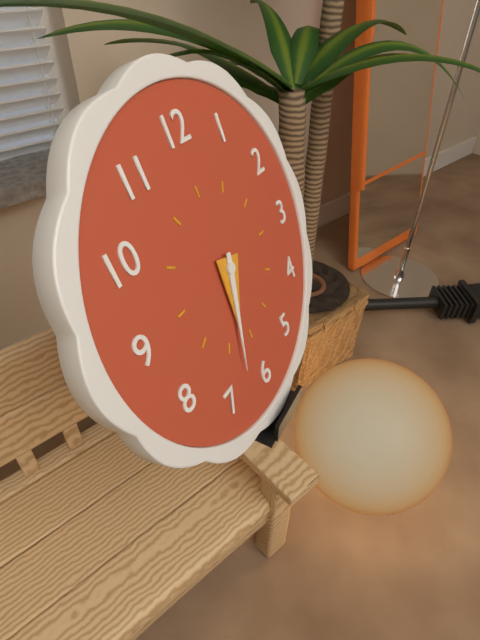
**6:33**
